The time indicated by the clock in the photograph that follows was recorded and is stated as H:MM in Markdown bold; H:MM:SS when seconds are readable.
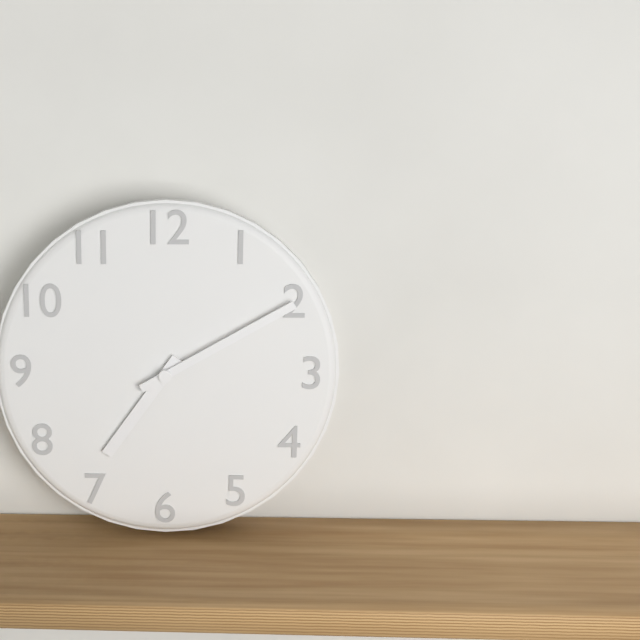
**7:10**
